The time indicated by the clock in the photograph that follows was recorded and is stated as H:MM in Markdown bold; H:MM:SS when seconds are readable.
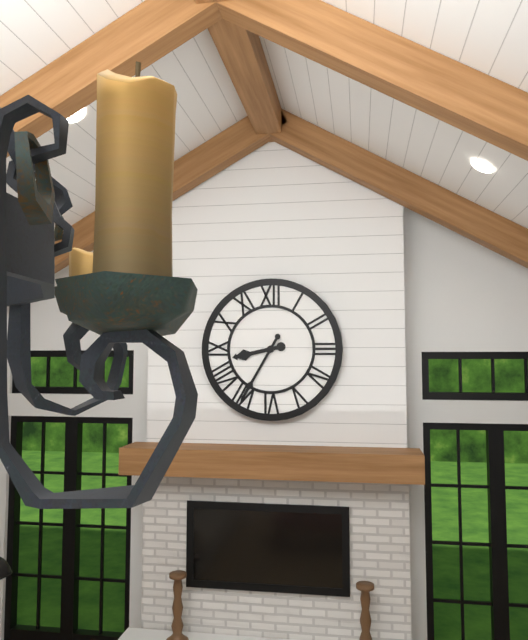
**8:35**
